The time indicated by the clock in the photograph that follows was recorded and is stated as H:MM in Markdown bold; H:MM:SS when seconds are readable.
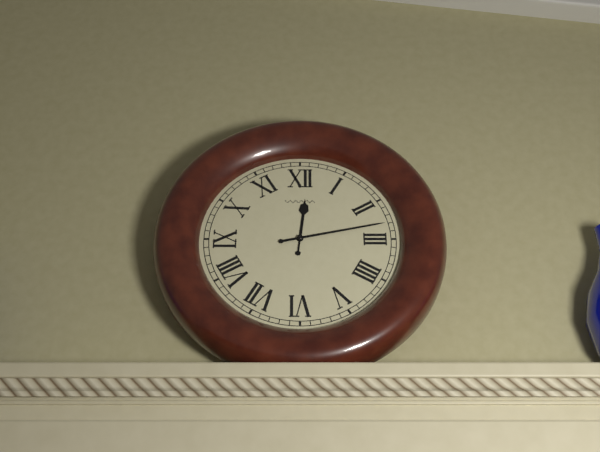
**12:13**
